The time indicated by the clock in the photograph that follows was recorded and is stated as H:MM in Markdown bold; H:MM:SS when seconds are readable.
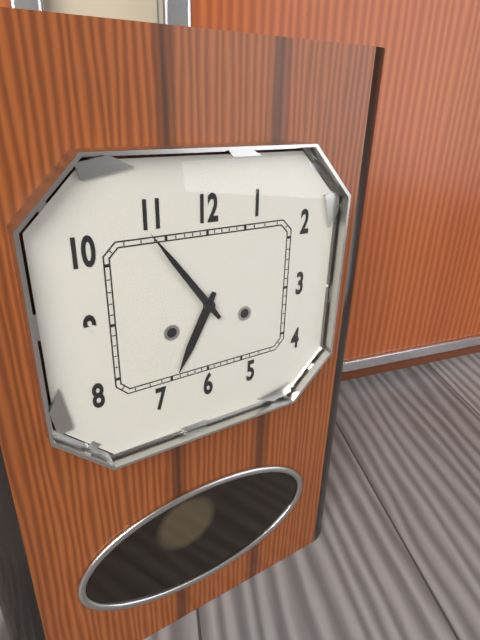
**6:54**
